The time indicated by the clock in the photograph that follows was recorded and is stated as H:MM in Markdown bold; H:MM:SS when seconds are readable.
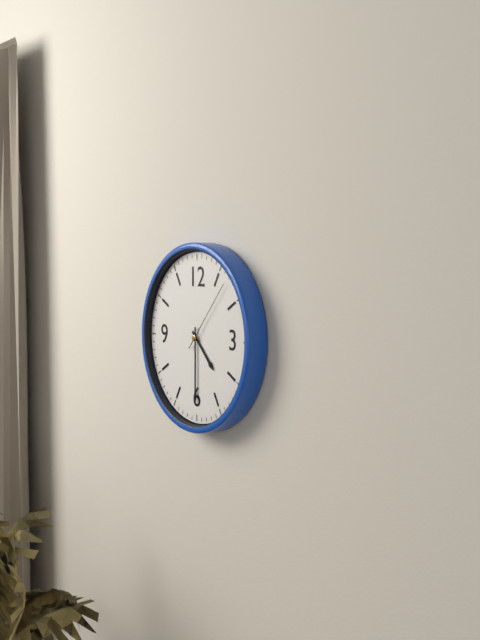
**4:30:07**
